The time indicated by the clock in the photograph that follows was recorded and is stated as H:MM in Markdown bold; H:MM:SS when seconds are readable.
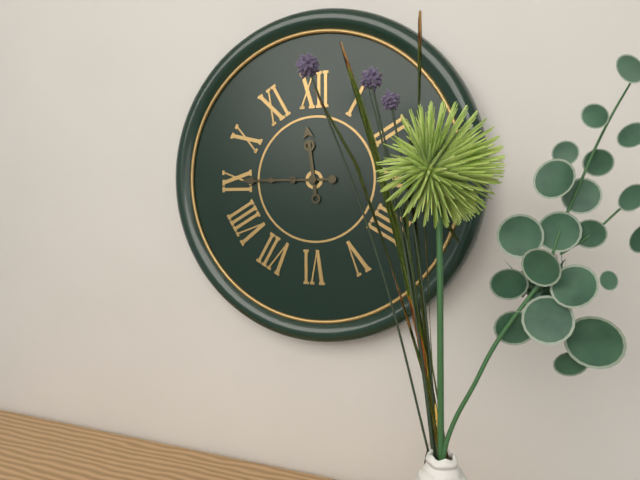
**11:45**
